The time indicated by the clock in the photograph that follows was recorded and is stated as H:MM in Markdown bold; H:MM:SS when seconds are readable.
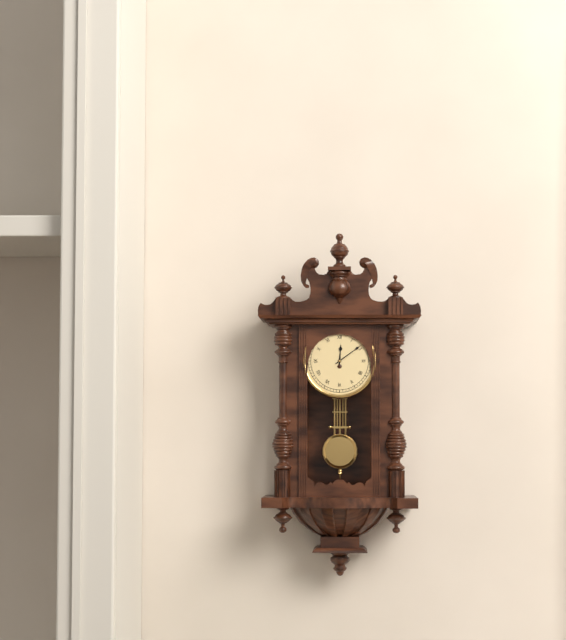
**12:09**
